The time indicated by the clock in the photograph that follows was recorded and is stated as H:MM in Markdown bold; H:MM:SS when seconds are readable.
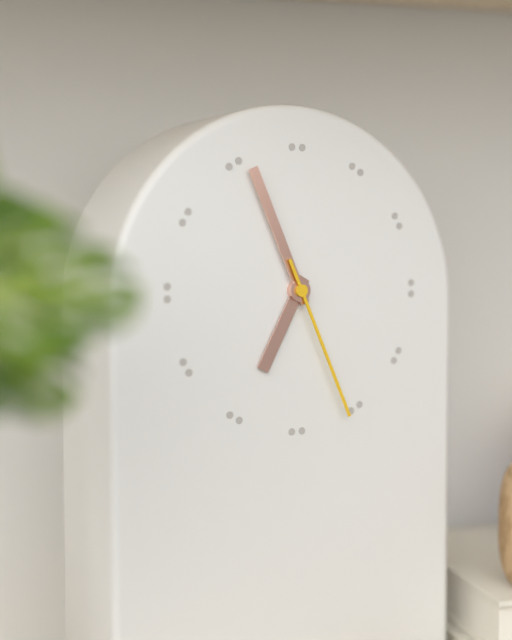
**6:56:26**
